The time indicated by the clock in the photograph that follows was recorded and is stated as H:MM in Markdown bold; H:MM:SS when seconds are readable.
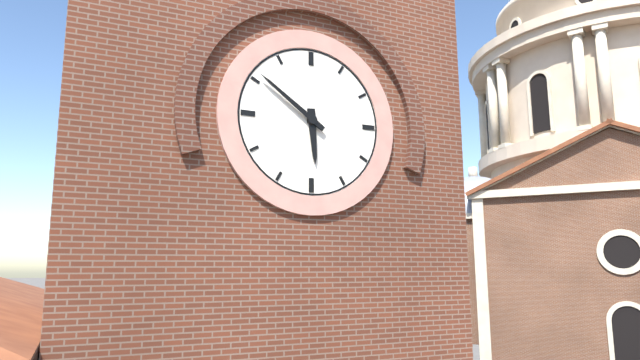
**5:51**
